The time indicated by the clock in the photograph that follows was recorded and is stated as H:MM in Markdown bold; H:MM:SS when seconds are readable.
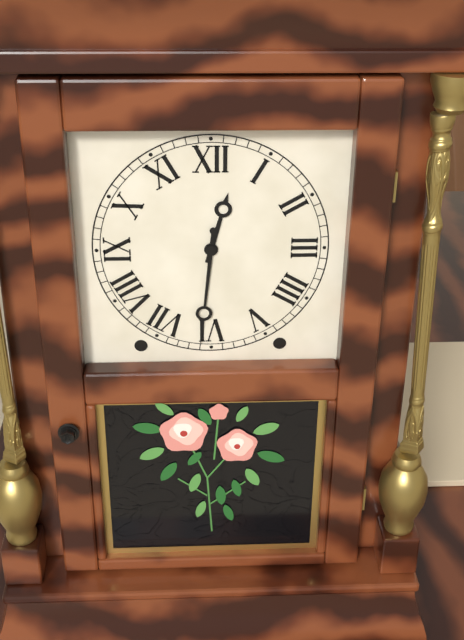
**12:31**
